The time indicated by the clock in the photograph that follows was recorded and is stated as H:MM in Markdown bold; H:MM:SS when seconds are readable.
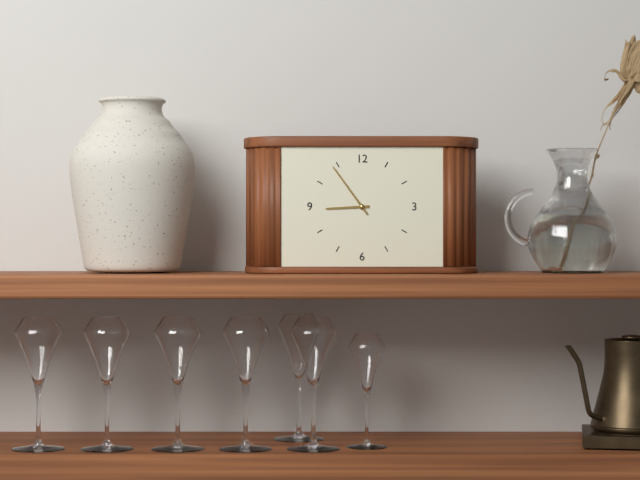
**8:54**
